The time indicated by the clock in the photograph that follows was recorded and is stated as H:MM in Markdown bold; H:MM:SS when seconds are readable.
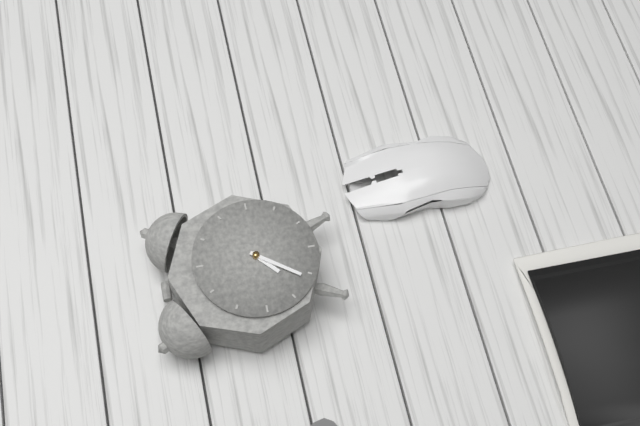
**7:36**
